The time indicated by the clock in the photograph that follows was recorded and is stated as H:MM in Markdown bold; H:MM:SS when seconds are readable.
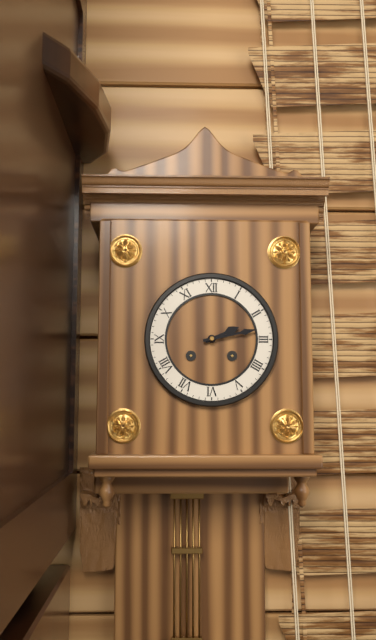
**2:13**
